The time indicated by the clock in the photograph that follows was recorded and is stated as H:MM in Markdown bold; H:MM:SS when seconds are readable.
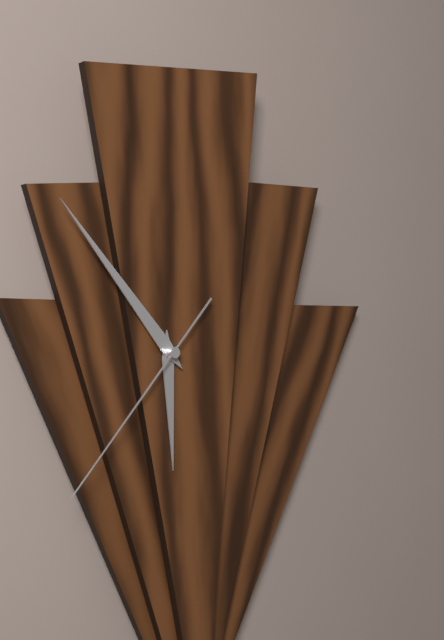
**5:53:37**
